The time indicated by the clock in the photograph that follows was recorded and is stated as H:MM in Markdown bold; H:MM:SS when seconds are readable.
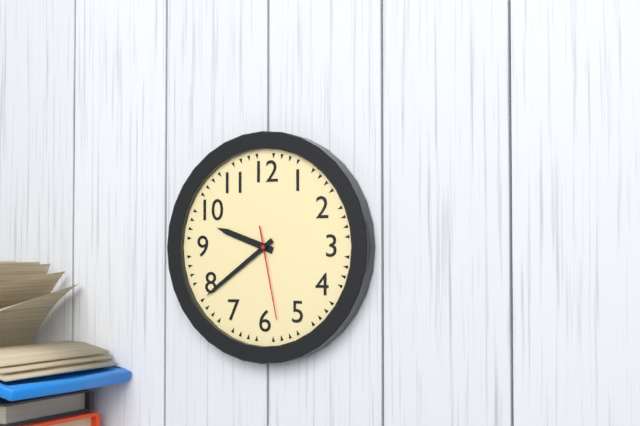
**9:39:28**
